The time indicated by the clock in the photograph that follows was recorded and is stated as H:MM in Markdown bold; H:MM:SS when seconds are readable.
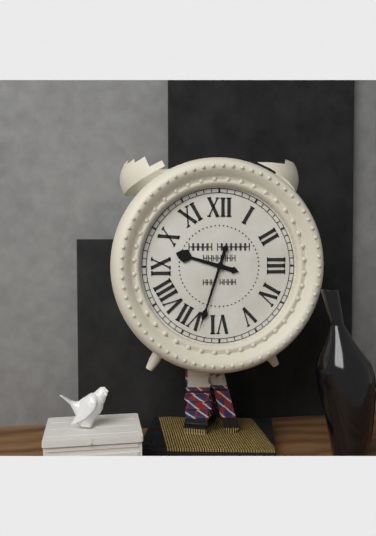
**9:33**
